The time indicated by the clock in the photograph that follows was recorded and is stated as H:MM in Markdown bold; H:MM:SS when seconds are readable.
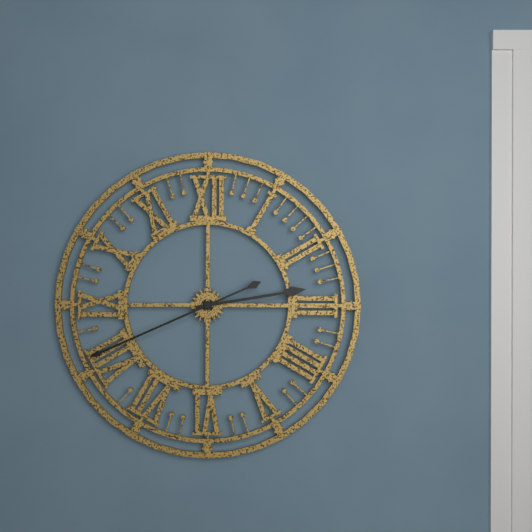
**2:41**
